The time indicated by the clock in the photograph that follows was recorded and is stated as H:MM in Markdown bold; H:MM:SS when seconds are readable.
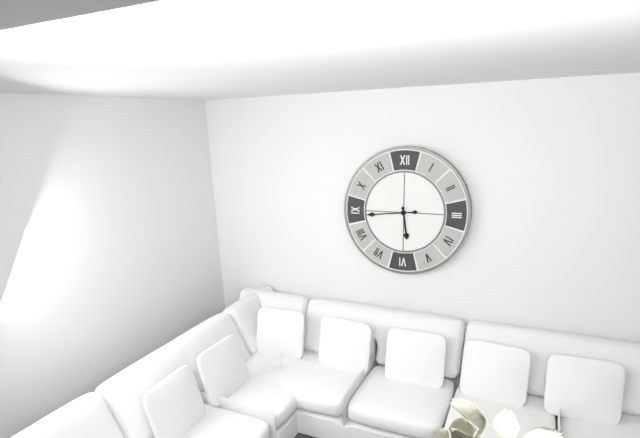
**5:44**
